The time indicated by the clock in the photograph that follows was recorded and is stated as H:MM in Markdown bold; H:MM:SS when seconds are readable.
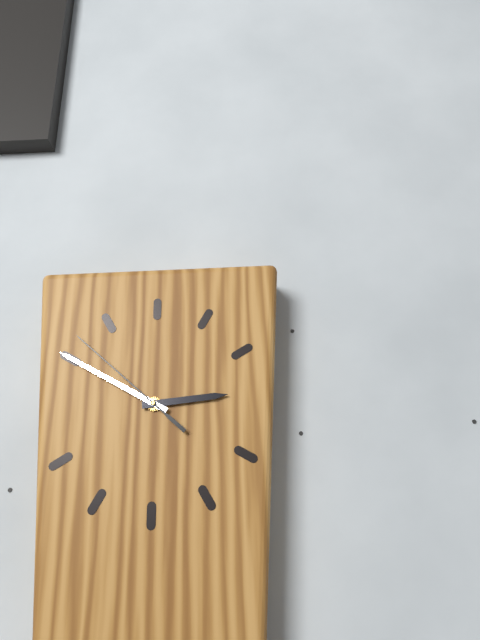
**2:50:52**
